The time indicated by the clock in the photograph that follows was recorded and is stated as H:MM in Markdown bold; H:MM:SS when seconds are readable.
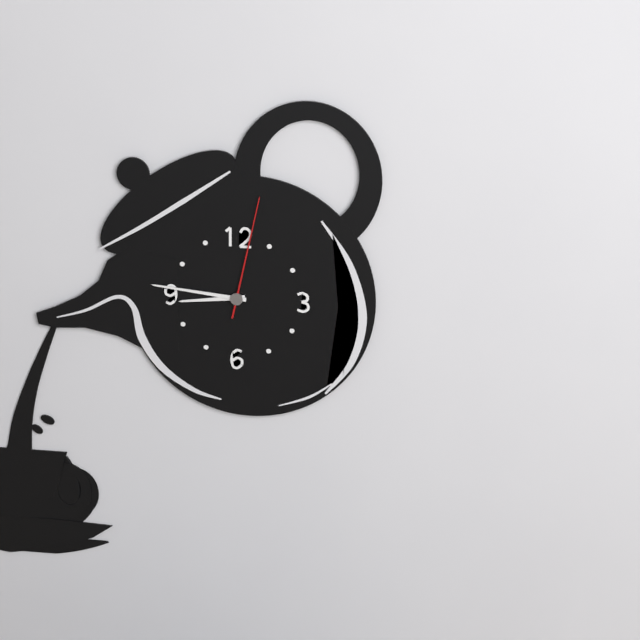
**8:46:02**
